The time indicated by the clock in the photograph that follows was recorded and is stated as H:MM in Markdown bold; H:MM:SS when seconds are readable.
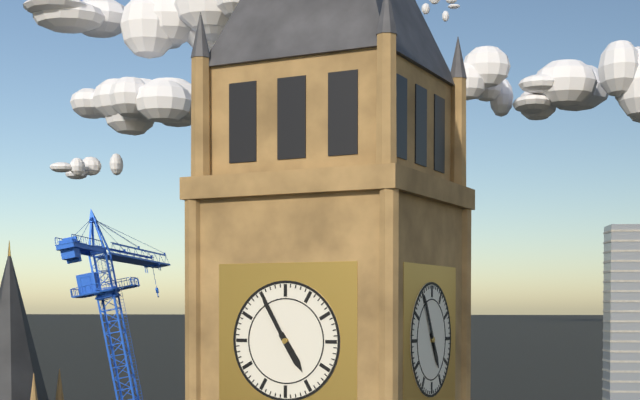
**4:55**
